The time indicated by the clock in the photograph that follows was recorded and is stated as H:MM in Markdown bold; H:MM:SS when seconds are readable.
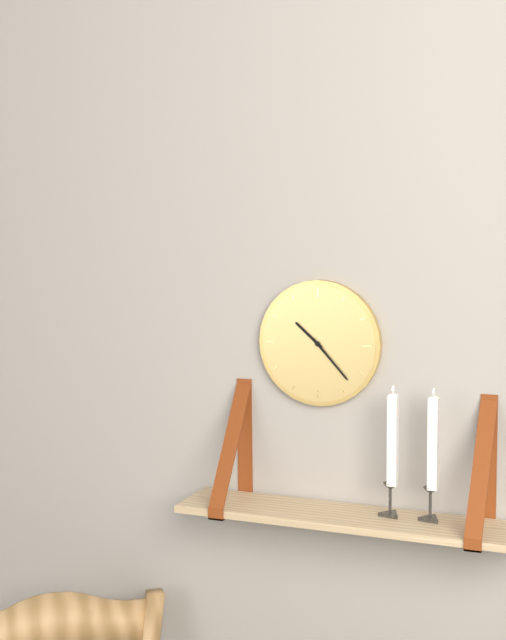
**10:23**
